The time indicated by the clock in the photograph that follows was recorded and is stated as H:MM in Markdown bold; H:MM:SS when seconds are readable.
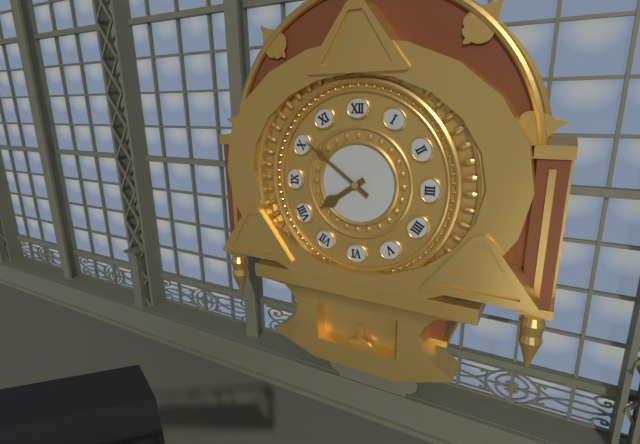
**7:51**
